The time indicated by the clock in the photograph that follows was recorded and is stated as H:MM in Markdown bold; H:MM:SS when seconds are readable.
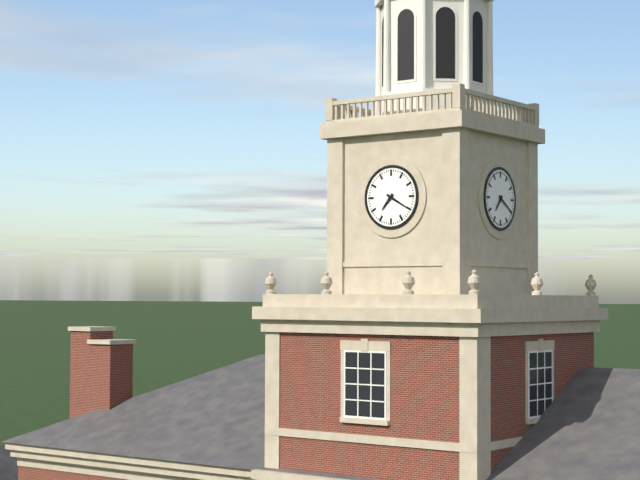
**7:20**
